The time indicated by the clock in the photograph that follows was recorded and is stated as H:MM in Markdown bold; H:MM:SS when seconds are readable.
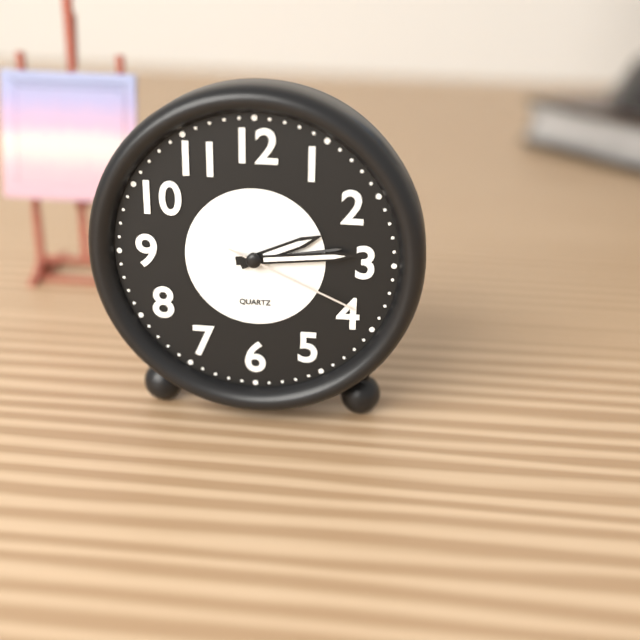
**2:14:19**
